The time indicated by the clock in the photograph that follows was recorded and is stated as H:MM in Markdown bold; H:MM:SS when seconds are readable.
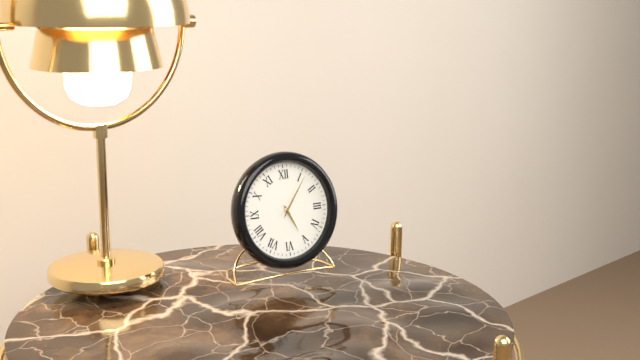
**5:06**
